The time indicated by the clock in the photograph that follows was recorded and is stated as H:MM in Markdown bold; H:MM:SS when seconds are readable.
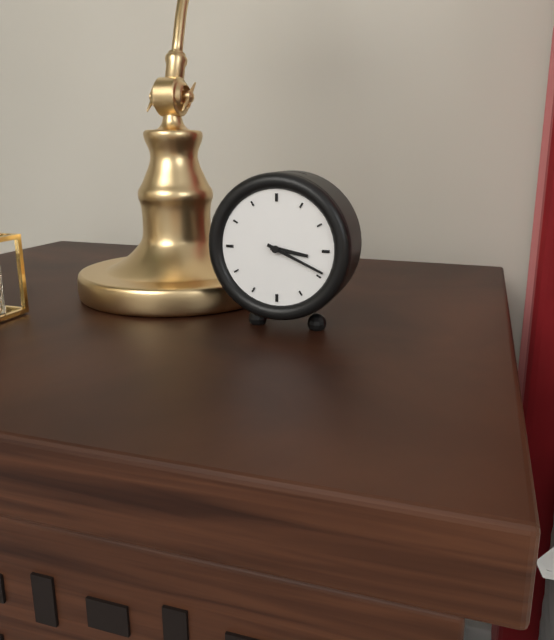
**3:19**
